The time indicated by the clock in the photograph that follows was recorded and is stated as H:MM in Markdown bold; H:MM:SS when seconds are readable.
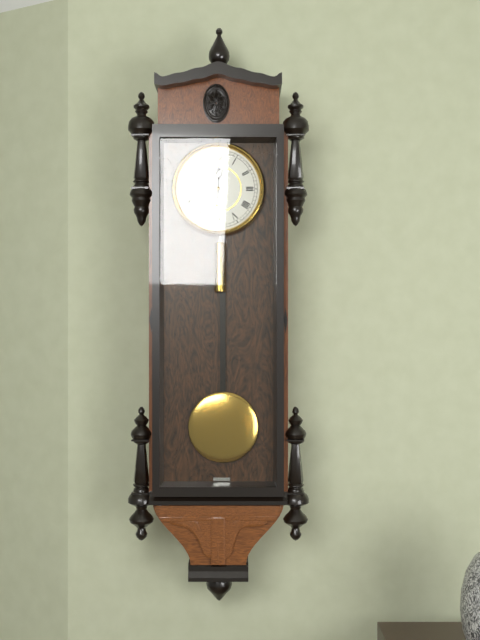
**12:01**
